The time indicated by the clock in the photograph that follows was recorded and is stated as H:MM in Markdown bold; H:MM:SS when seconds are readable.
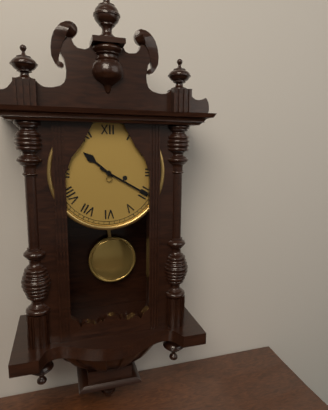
**10:20**
